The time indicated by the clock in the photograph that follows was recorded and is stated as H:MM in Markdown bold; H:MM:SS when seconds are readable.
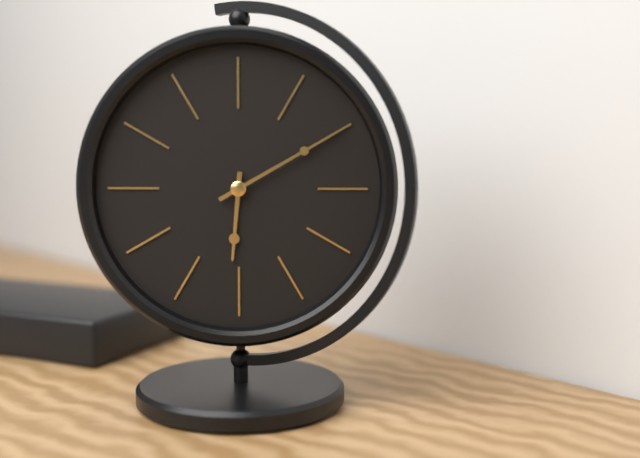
**6:10**
